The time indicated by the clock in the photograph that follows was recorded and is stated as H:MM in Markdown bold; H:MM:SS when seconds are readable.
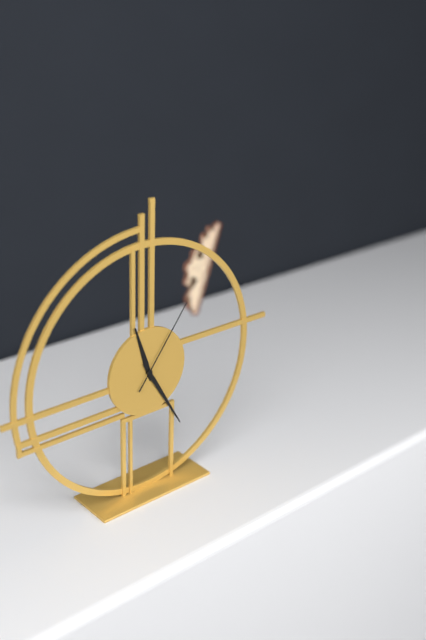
**11:25:06**
